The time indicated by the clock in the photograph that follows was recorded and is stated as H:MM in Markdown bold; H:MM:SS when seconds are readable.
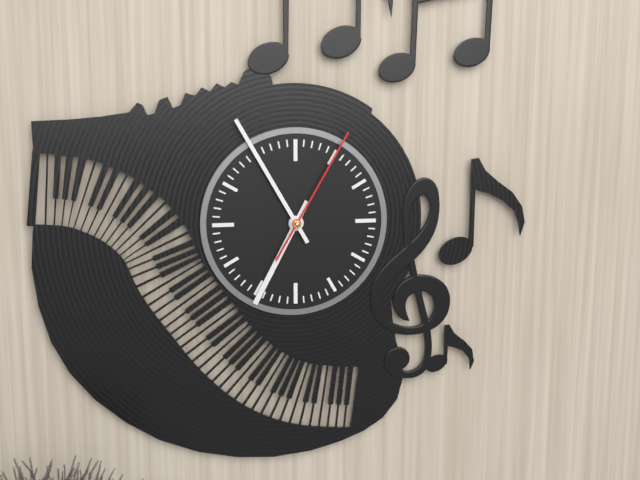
**6:55:05**
